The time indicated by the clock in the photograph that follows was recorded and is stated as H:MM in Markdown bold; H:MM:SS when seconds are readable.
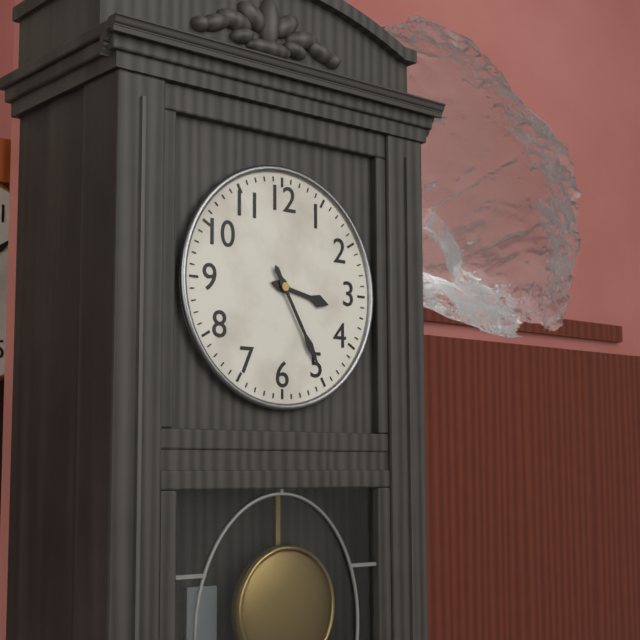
**3:25**
